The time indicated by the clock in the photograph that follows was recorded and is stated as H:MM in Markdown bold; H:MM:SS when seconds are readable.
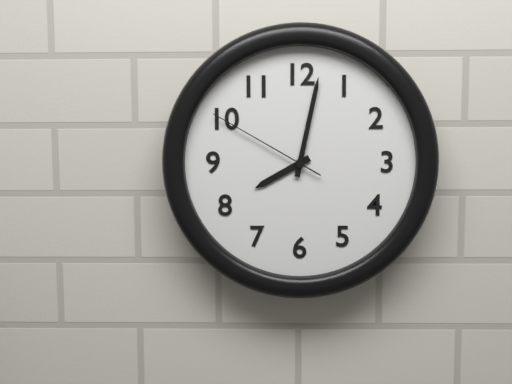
**8:02:50**
